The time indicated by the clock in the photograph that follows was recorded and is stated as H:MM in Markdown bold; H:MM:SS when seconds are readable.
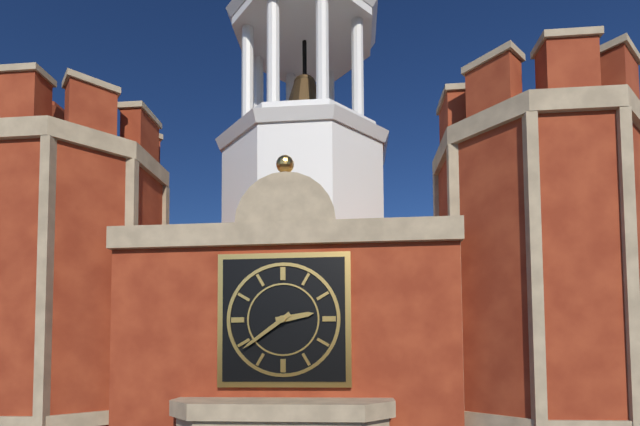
**2:39**
